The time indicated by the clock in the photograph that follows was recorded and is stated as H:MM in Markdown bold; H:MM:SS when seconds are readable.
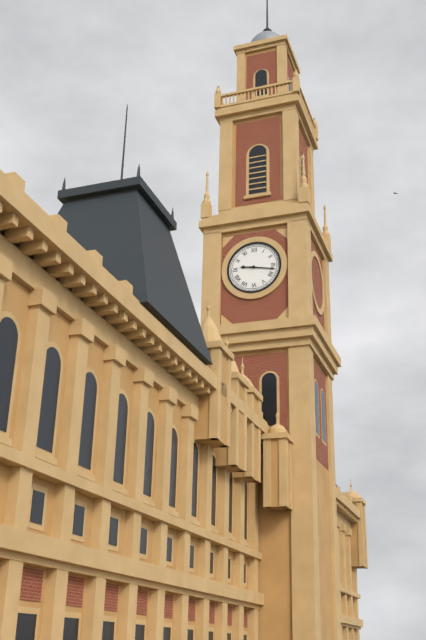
**9:17**
